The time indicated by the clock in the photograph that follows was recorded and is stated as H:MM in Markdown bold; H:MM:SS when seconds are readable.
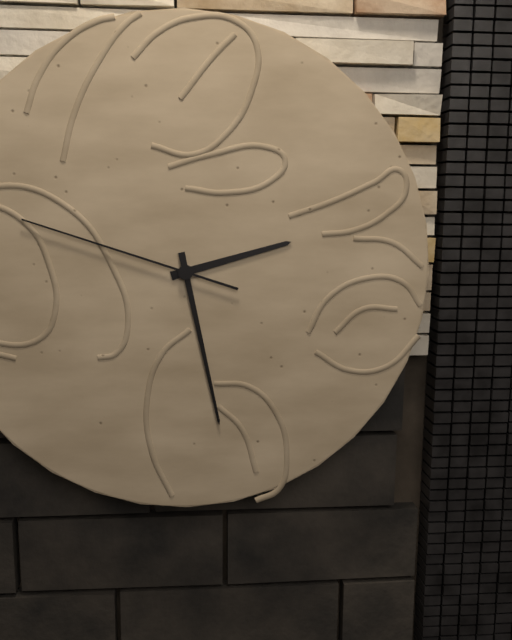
**2:28:48**
